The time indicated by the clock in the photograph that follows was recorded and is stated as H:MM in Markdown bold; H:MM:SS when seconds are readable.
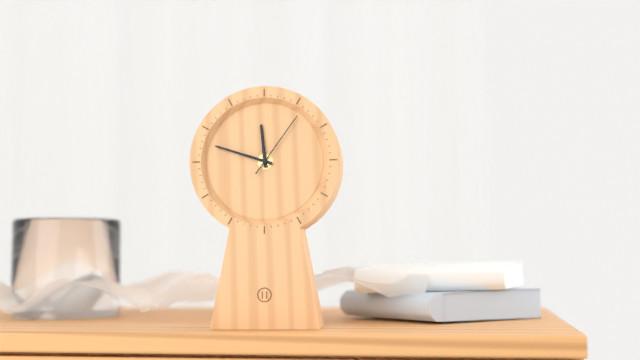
**11:48:06**
